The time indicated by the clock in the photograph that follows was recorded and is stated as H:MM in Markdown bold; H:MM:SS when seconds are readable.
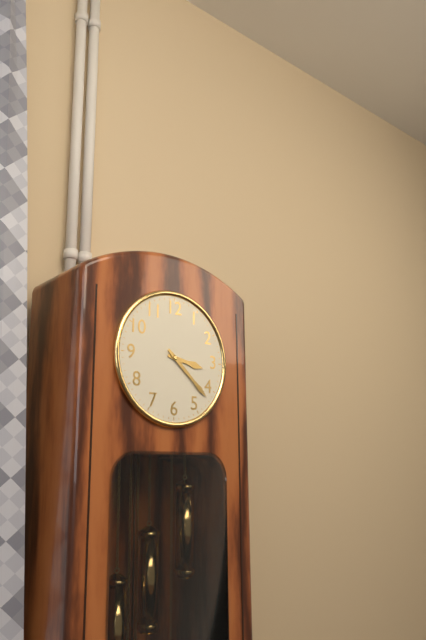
**3:22**
